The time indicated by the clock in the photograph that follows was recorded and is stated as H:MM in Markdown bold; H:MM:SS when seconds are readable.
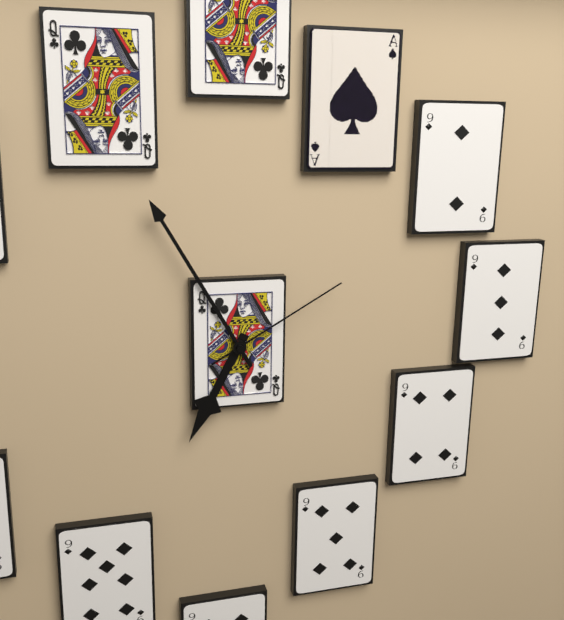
**6:55:10**
